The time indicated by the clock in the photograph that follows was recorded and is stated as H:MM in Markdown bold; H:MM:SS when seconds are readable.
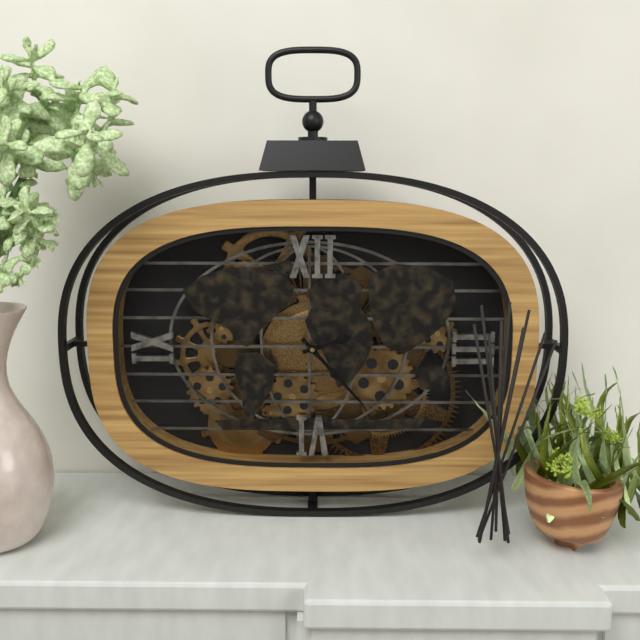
**2:23**
